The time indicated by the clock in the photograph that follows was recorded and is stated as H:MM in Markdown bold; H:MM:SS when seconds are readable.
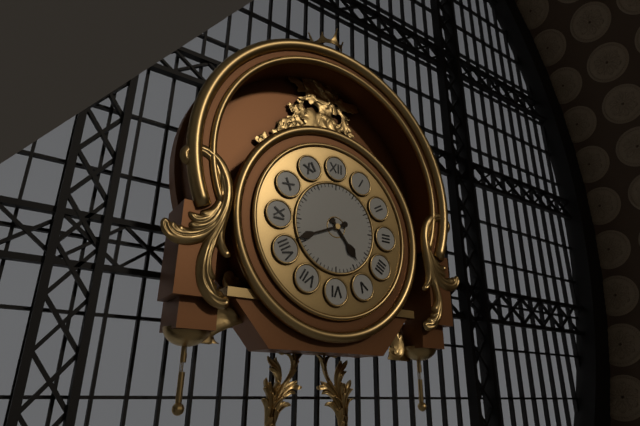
**4:41**
